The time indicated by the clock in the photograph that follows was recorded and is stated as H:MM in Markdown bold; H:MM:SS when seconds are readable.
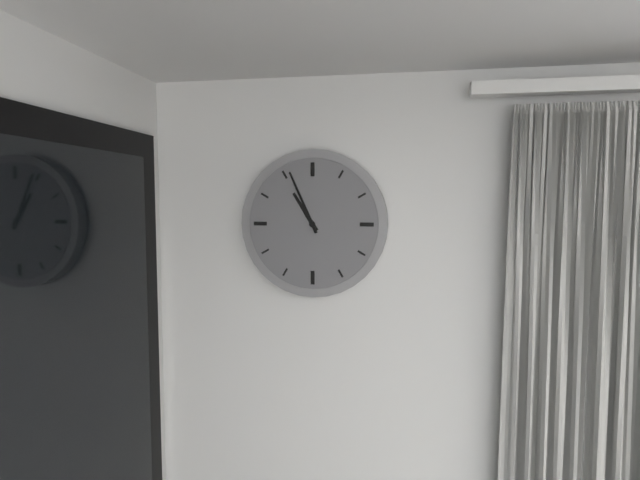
**10:56**
